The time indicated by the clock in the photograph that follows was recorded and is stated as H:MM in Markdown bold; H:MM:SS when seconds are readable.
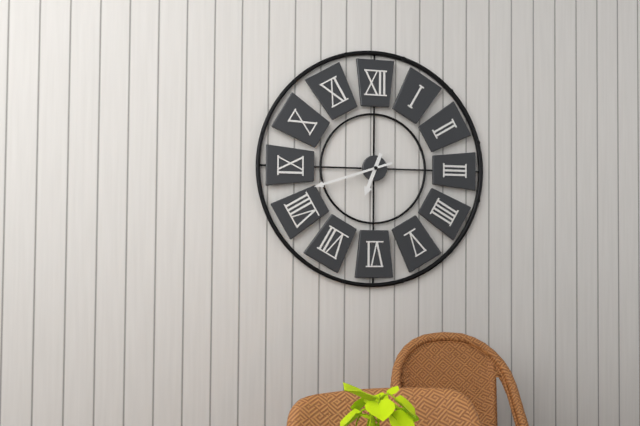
**6:42**
